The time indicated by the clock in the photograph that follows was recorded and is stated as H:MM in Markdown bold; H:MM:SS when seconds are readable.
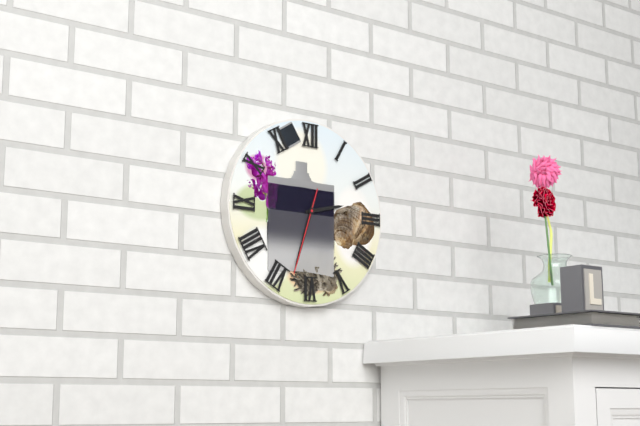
**2:33:33**
